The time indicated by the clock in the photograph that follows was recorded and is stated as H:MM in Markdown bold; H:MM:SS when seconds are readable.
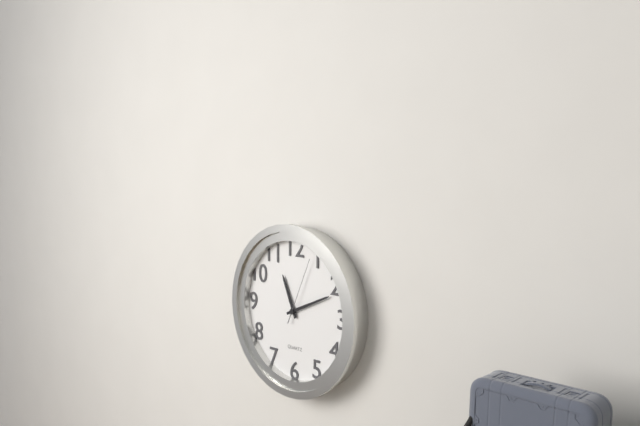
**11:11:04**
